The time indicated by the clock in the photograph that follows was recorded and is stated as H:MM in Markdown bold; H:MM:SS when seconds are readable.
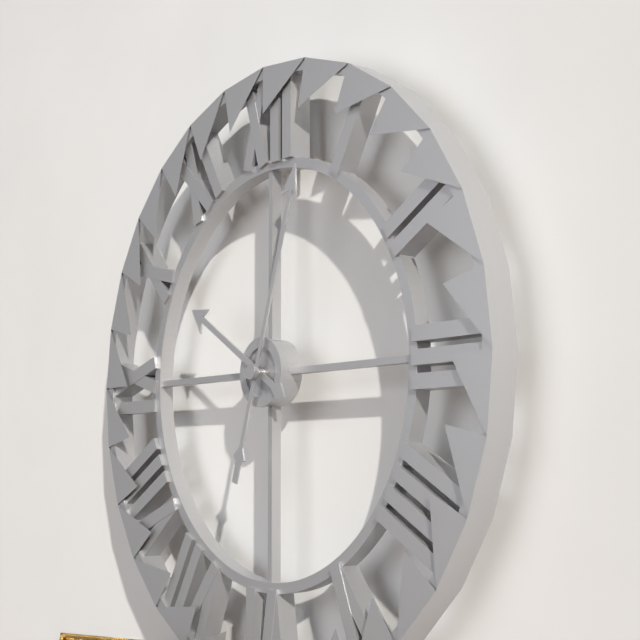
**10:03**
